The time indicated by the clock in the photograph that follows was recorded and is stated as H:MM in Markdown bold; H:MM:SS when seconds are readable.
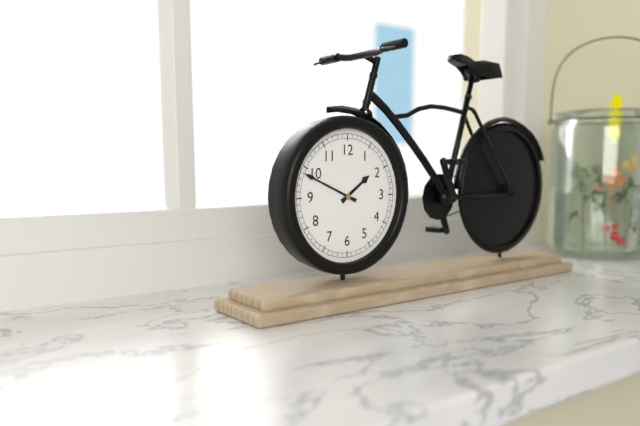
**1:49**
